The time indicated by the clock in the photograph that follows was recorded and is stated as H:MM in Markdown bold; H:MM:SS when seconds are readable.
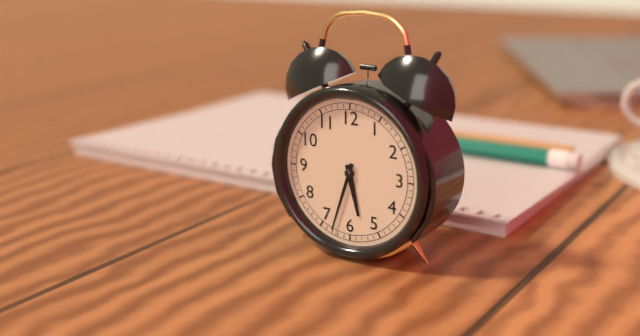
**5:33**
